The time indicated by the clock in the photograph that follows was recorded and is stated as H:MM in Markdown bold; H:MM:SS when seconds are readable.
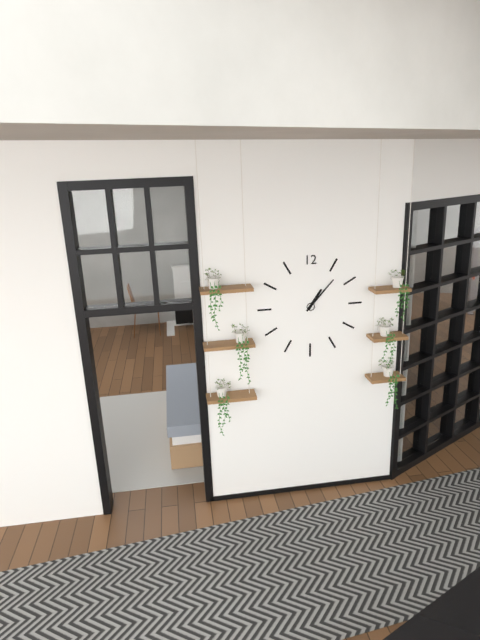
**1:07**
